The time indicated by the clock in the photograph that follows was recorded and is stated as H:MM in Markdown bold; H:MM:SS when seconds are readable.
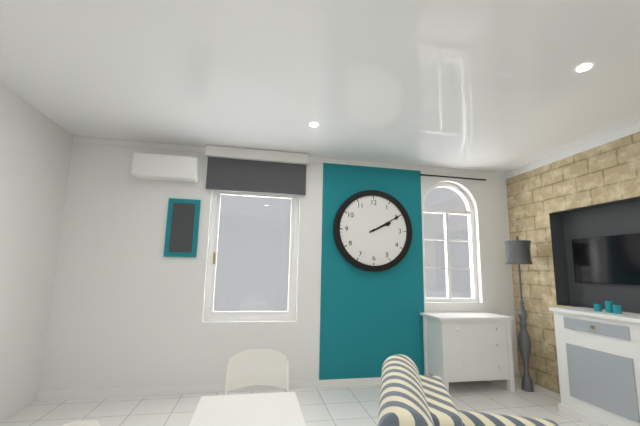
**2:10**
